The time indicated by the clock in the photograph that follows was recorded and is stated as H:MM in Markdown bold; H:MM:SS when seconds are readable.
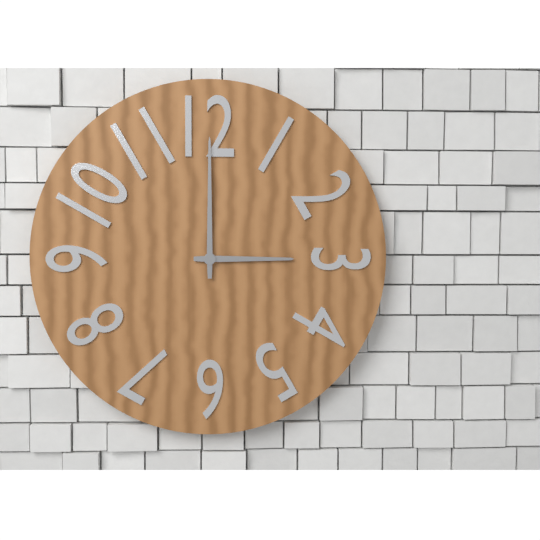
**3:00**
